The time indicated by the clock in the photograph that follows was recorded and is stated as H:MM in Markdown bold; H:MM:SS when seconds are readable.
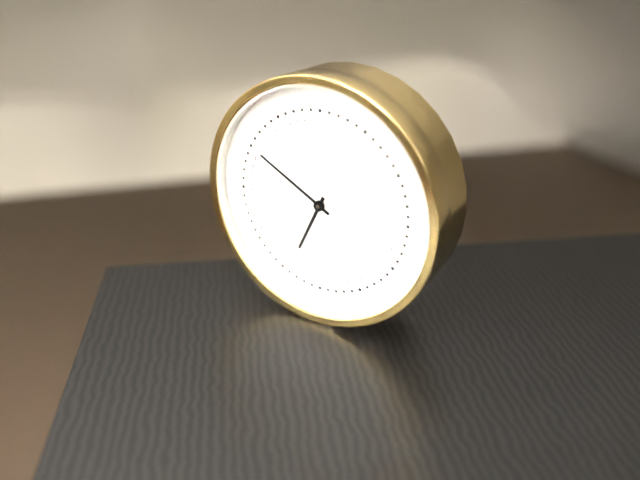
**6:50**
